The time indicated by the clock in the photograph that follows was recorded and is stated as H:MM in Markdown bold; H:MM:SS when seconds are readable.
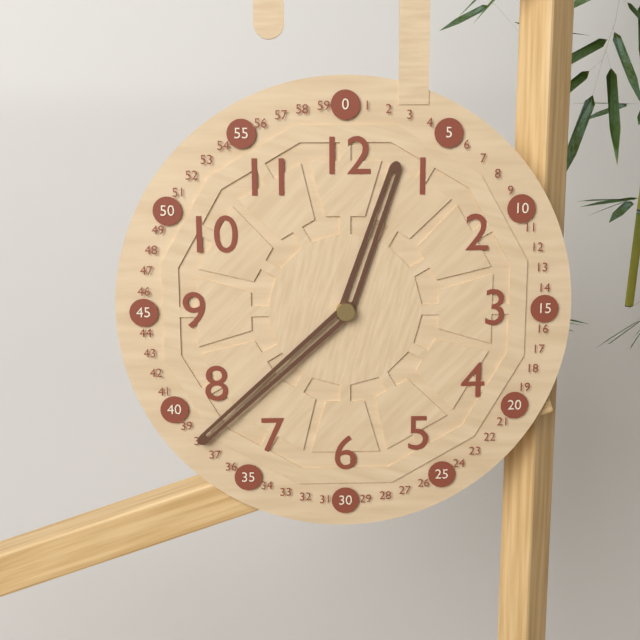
**12:38**
